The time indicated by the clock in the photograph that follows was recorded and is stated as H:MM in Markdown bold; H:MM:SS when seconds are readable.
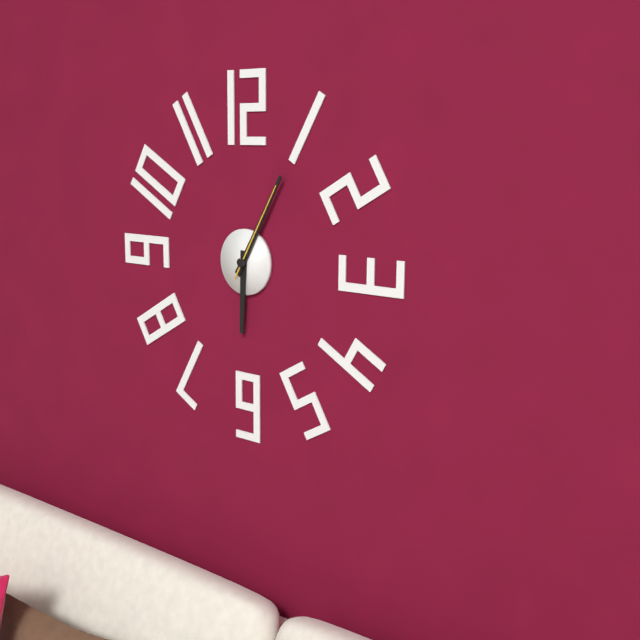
**6:05:05**
